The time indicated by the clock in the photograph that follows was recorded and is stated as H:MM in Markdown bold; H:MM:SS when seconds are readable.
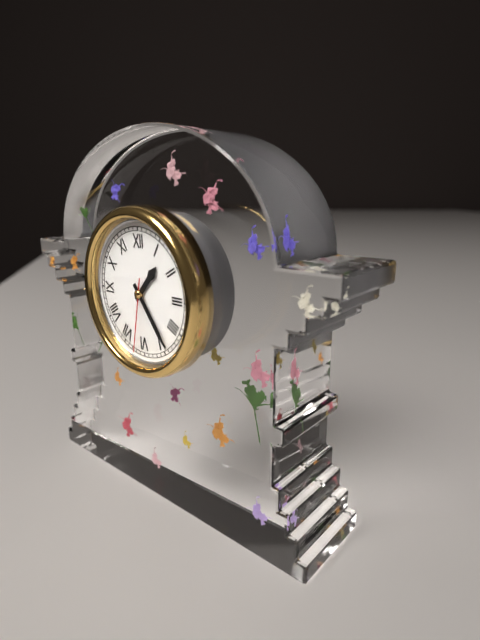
**1:24:32**
